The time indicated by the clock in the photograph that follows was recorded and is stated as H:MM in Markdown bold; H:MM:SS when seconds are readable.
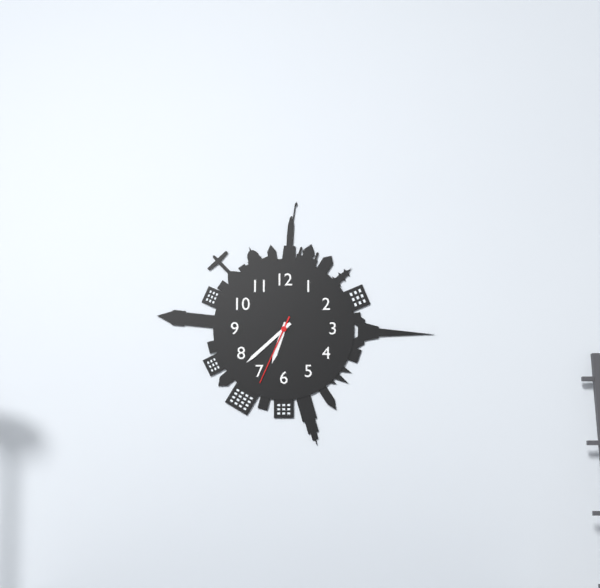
**6:38:34**
